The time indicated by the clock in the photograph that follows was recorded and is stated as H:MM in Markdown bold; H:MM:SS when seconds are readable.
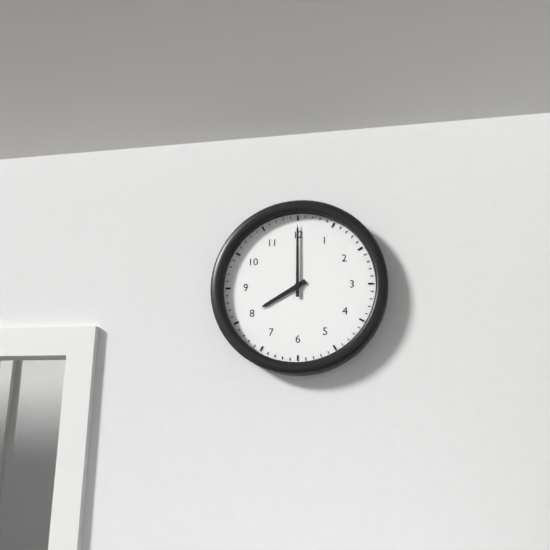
**8:00**
